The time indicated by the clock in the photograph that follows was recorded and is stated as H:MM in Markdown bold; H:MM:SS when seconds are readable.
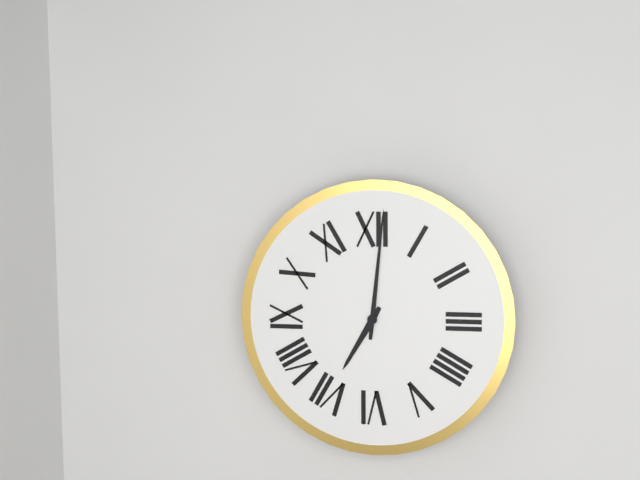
**7:01**
